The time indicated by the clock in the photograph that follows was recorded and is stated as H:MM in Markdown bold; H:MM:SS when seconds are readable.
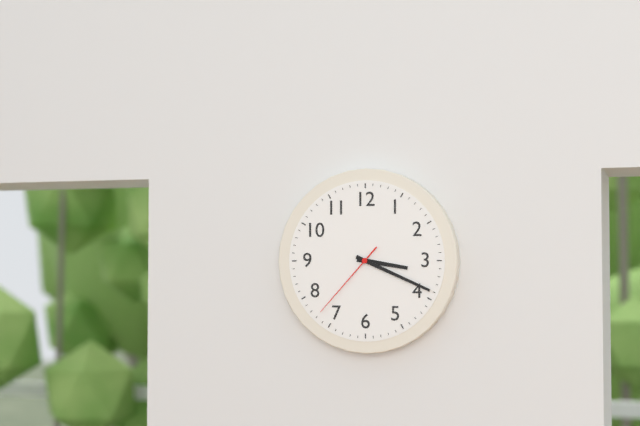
**3:19:37**
